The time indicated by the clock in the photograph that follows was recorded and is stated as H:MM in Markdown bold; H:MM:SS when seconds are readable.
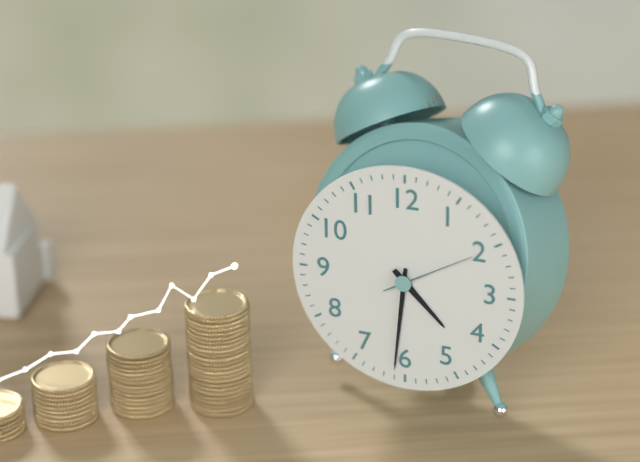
**4:31:10**
